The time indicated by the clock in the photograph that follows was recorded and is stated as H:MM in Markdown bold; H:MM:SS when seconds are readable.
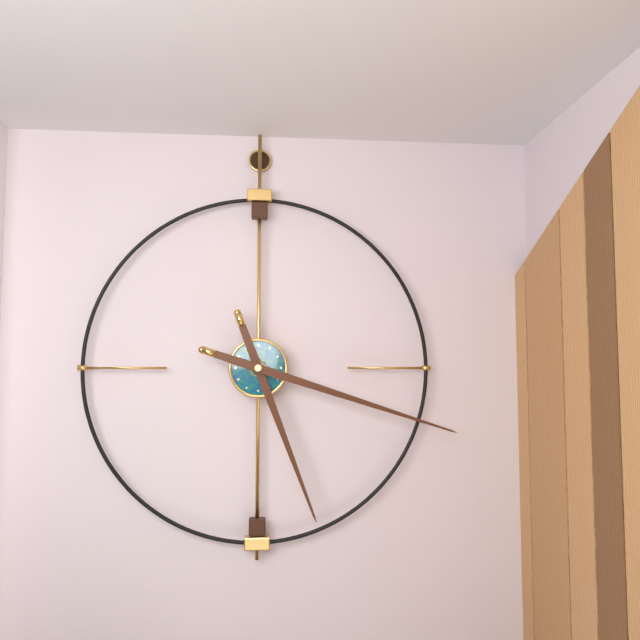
**5:18**
